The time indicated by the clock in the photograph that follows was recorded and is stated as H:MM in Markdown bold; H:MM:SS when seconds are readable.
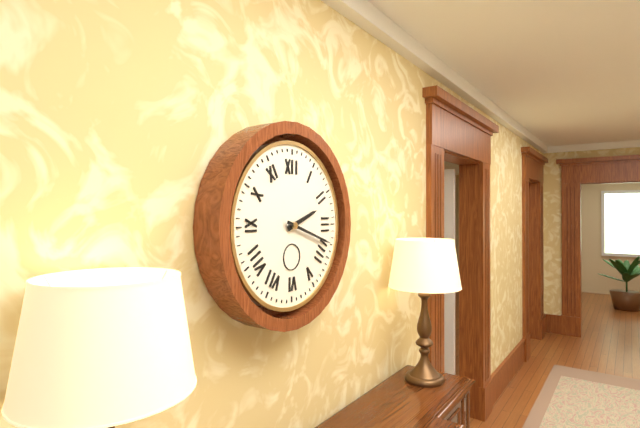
**2:18**
